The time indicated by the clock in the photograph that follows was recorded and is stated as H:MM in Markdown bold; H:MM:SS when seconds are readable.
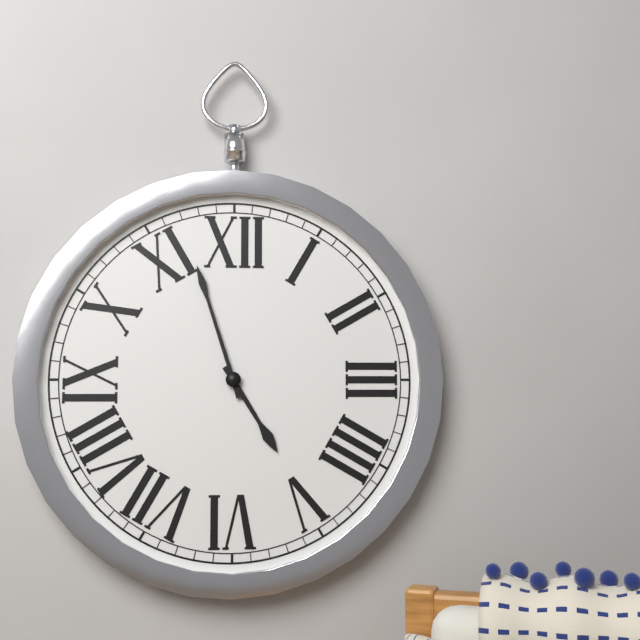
**4:57**
